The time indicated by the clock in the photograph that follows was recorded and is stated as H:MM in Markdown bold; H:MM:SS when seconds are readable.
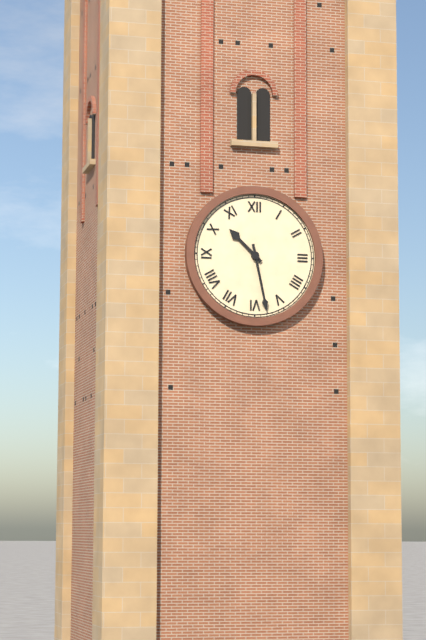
**10:28**
